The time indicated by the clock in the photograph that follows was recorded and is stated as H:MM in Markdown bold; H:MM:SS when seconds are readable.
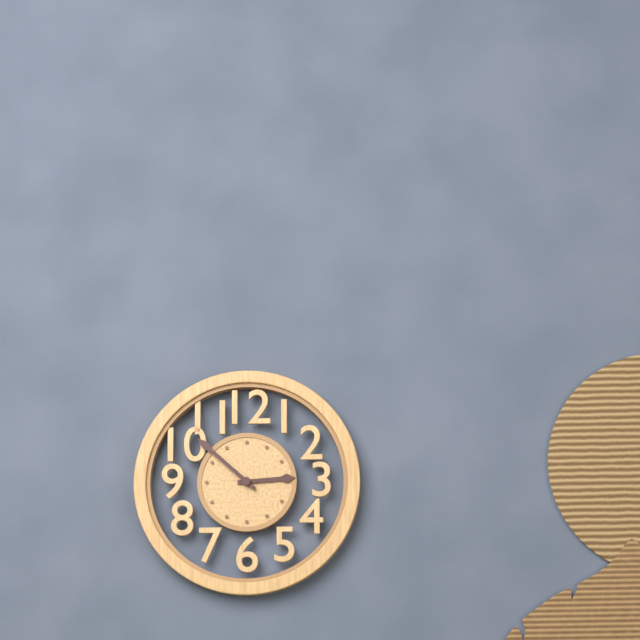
**2:52**
